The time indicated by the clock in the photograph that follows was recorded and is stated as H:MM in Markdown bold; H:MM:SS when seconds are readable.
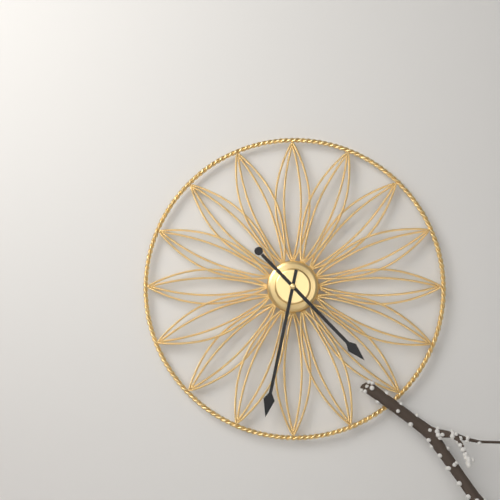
**4:32**
